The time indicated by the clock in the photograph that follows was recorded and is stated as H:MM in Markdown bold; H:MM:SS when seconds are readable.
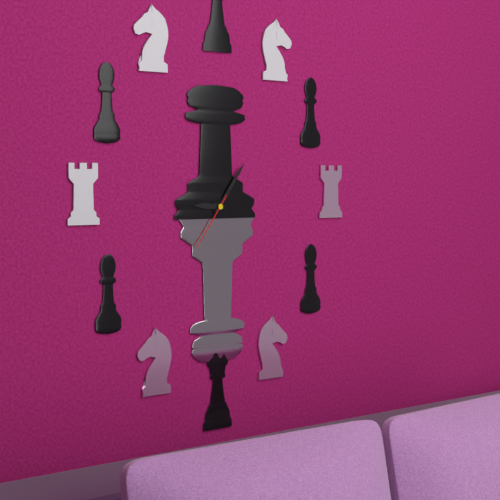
**9:06:36**
